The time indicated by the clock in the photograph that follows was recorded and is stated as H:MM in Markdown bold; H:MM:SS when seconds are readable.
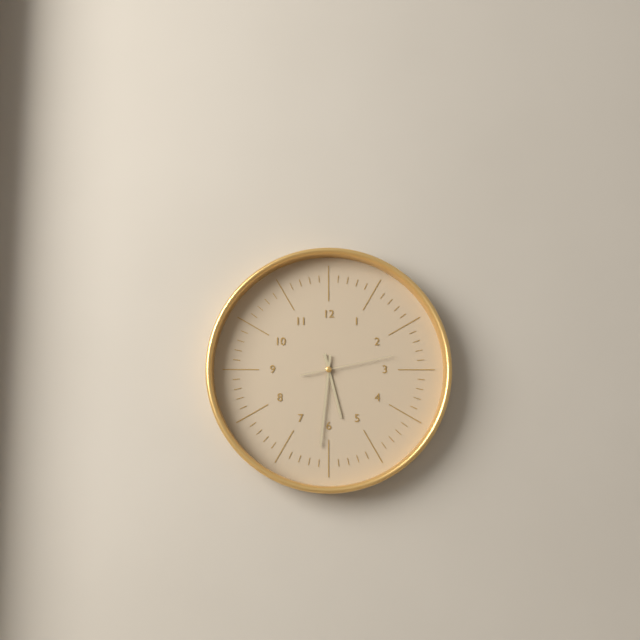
**5:31:13**
